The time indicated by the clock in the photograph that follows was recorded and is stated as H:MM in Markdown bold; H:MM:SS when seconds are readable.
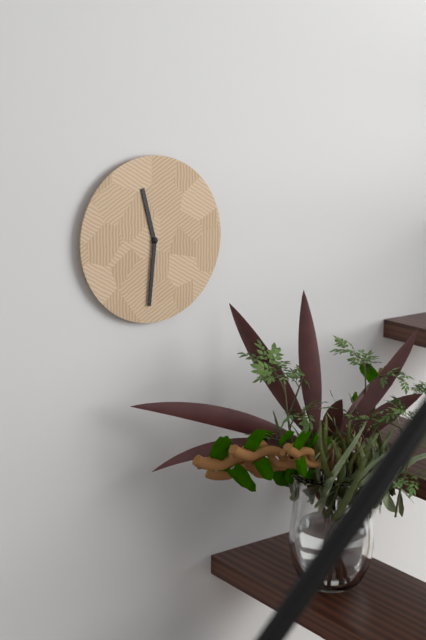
**11:31**
